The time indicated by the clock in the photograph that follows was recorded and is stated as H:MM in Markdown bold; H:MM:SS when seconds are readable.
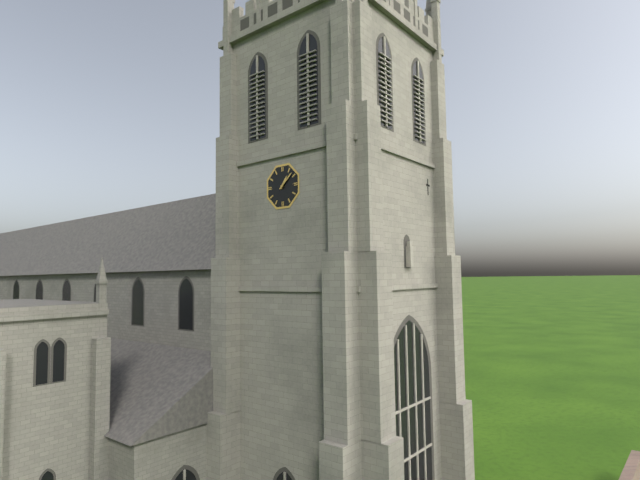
**1:08**
